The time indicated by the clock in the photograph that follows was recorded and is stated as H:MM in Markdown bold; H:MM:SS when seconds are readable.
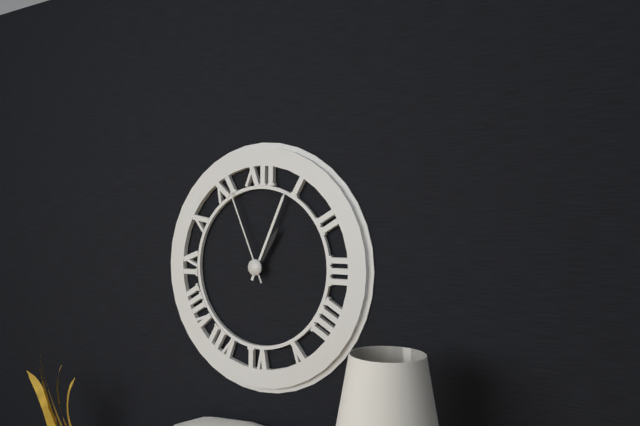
**1:04:56**
